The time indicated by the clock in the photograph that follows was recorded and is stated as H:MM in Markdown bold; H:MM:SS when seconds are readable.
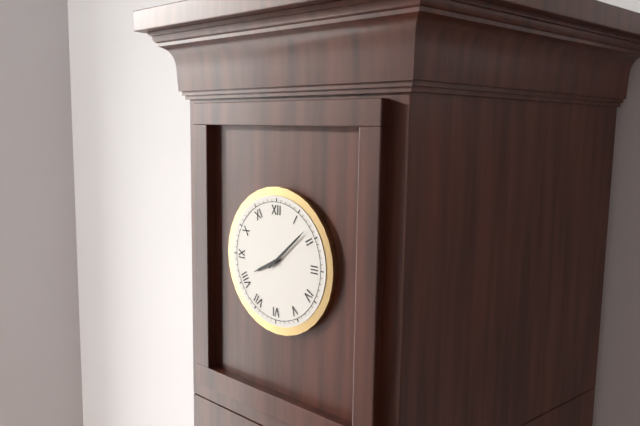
**8:08**
